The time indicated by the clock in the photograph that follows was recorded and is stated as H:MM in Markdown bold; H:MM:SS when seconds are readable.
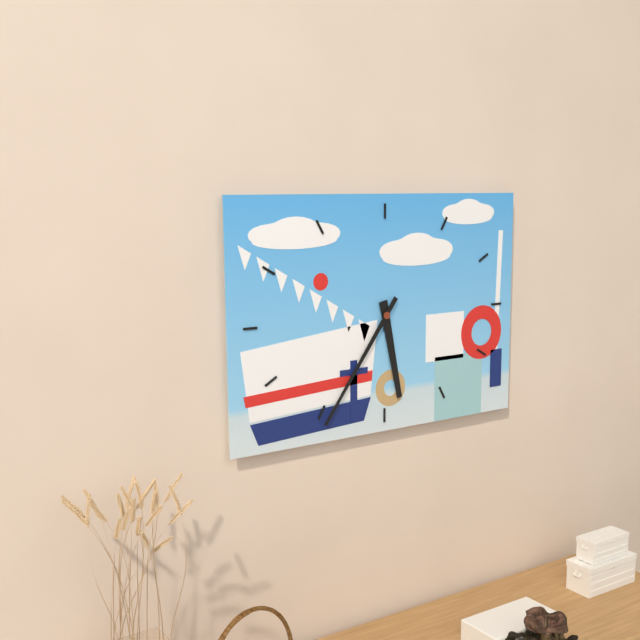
**5:36**
